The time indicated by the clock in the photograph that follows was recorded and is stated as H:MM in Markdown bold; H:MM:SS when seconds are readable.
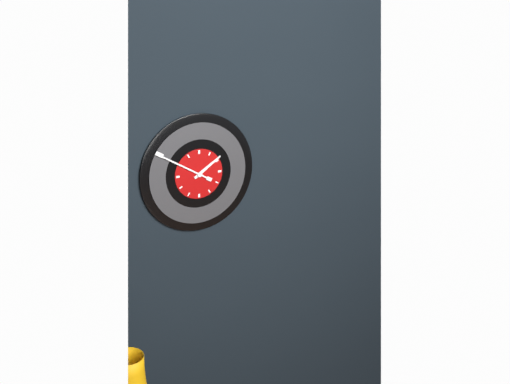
**1:50**
